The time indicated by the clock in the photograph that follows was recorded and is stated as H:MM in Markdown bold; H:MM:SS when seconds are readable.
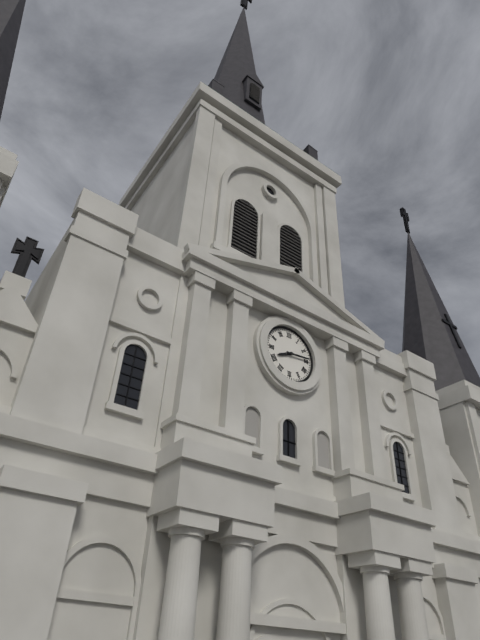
**8:14**
